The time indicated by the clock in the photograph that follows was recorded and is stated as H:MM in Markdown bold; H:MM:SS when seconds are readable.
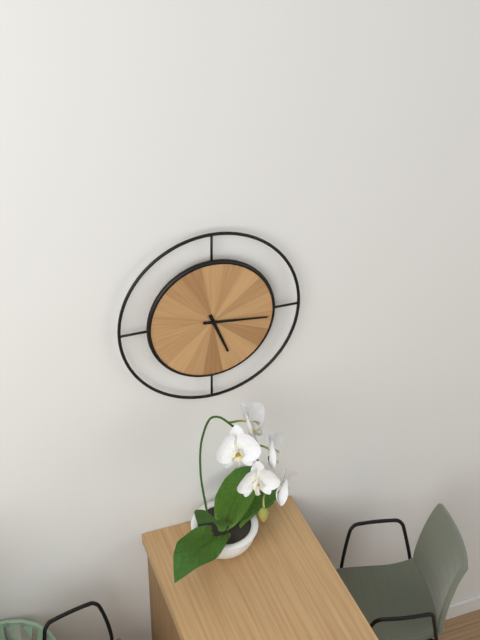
**5:16**
